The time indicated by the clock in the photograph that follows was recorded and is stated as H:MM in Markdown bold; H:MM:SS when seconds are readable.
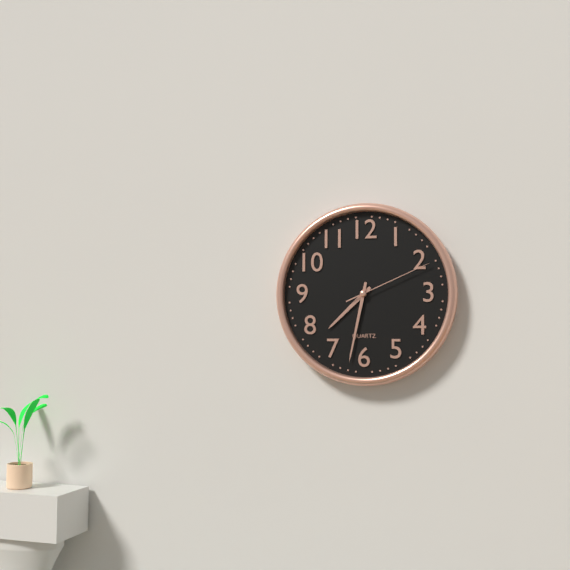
**7:32:11**
